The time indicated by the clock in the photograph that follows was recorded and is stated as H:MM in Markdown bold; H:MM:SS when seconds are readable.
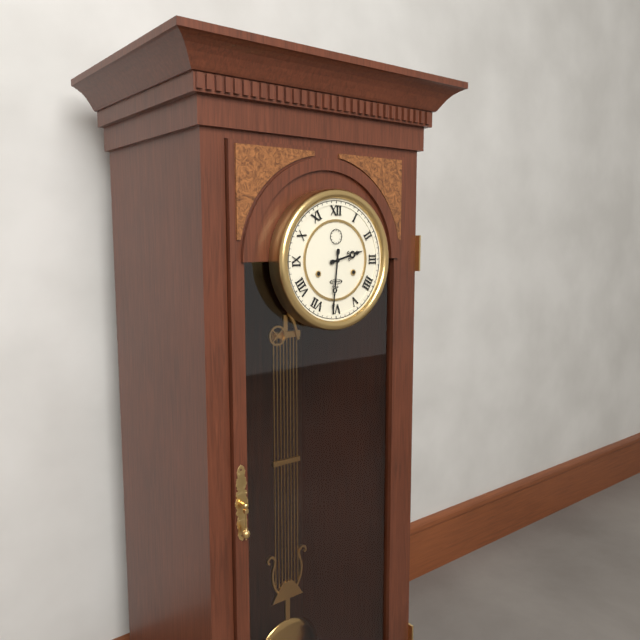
**2:31**
